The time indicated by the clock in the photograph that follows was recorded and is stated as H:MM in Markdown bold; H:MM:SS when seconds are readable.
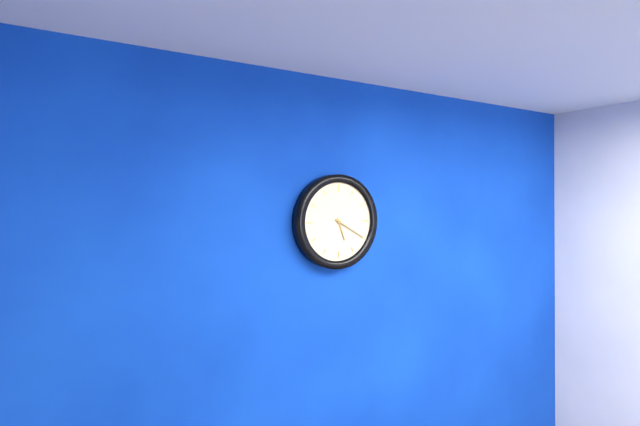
**5:20**
